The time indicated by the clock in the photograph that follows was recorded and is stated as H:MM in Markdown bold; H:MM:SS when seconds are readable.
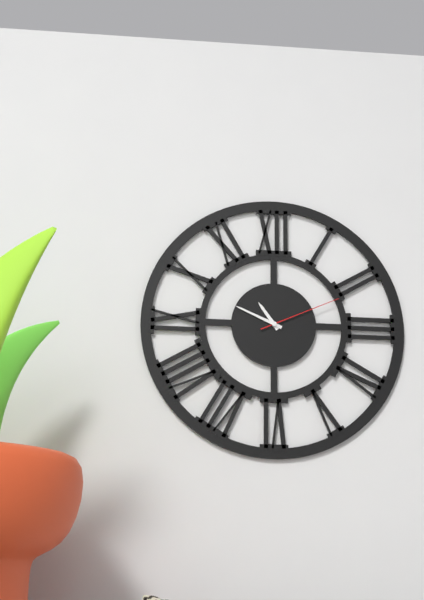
**10:49:11**
